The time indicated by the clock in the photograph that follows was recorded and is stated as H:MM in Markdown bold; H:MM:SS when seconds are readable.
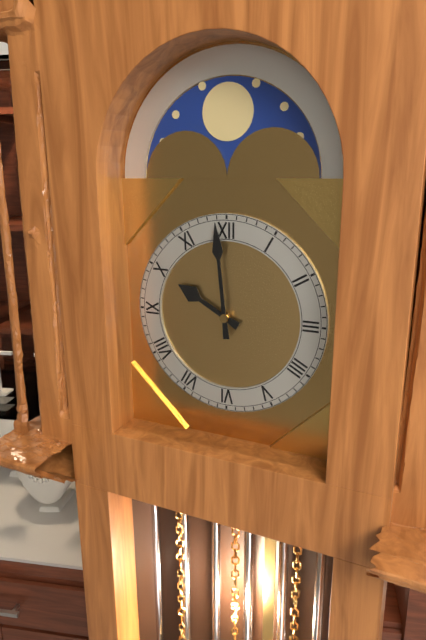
**9:59**
